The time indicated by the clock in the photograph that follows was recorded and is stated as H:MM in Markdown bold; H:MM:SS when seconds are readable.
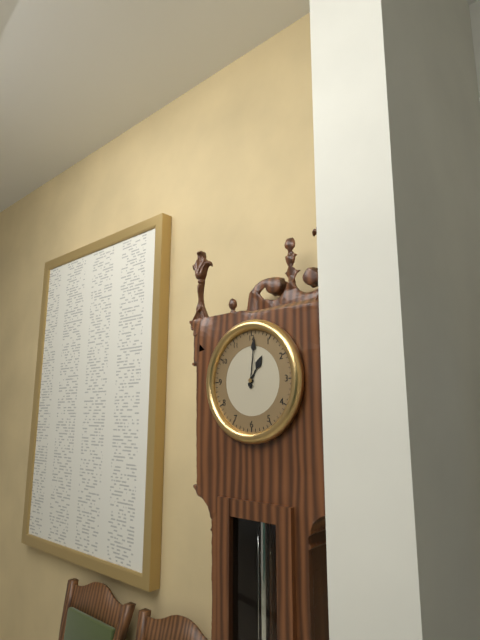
**1:01**
